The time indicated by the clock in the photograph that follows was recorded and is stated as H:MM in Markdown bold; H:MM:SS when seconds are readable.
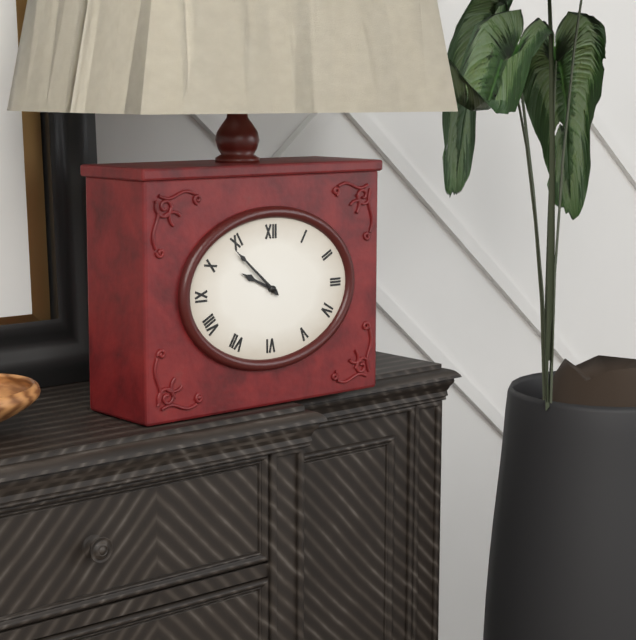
**9:52**
